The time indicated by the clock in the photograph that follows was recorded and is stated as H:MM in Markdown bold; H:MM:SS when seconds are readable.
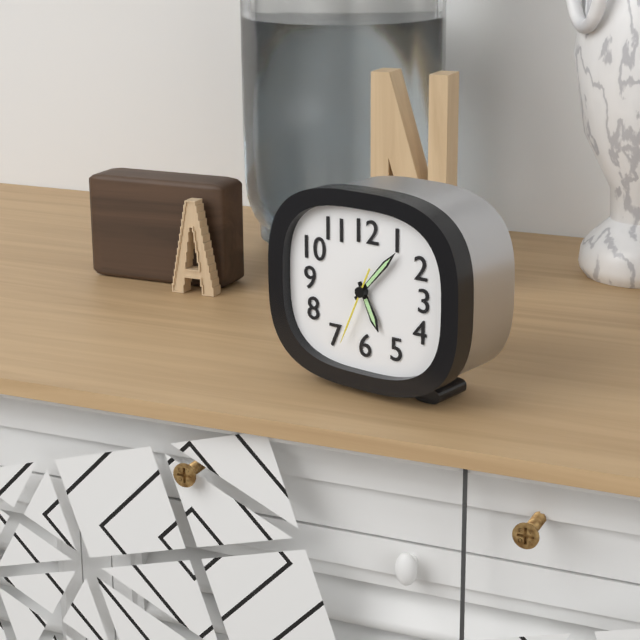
**5:07:34**
